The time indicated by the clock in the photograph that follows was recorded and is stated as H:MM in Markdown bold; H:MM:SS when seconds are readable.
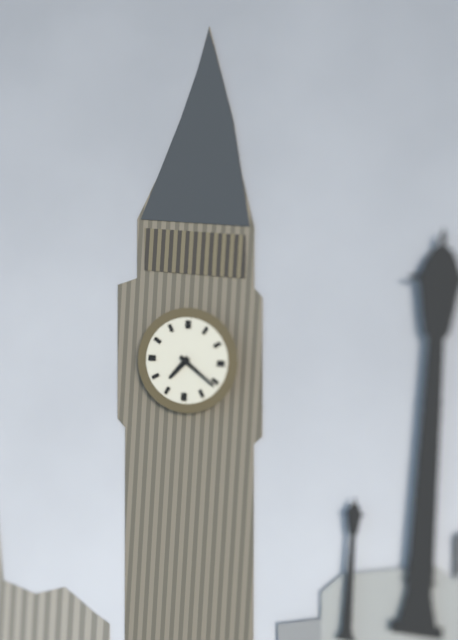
**7:21**
